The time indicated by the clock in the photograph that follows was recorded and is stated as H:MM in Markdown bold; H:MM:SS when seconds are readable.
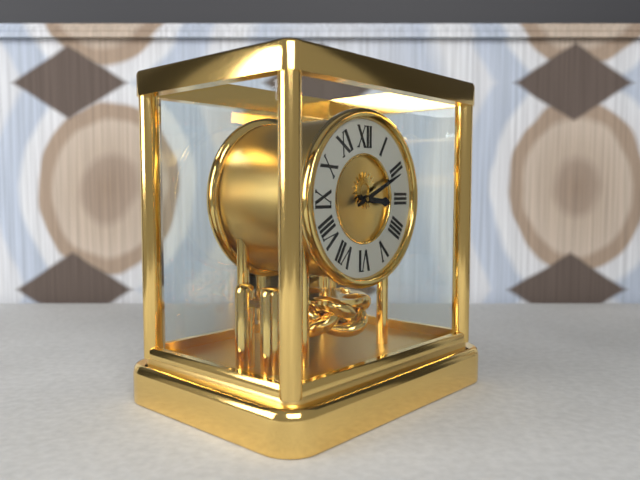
**3:11**
